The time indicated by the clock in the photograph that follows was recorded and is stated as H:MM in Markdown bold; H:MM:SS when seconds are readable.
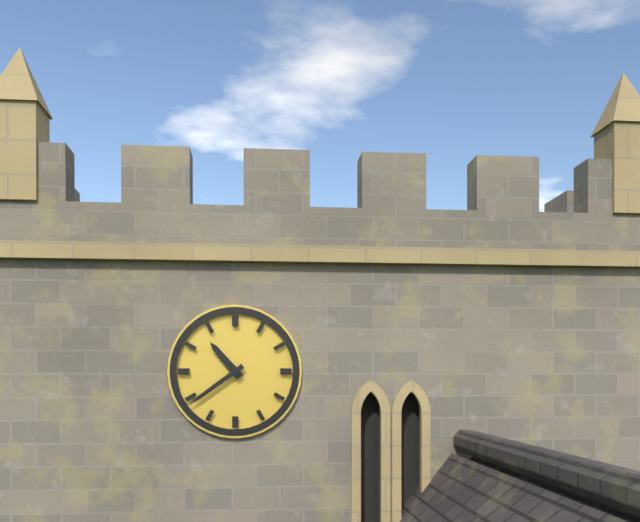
**10:39**
